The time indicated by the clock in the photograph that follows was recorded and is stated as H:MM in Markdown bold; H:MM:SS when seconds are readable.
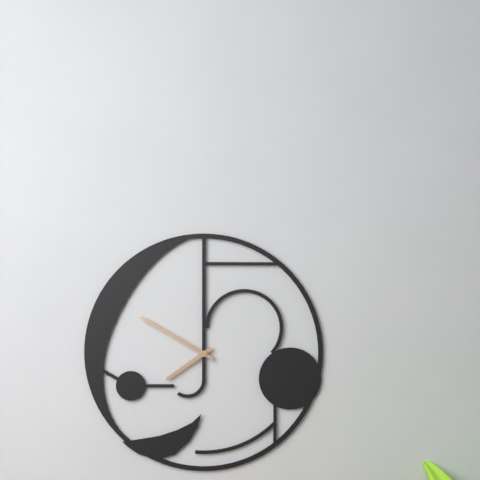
**7:50**
